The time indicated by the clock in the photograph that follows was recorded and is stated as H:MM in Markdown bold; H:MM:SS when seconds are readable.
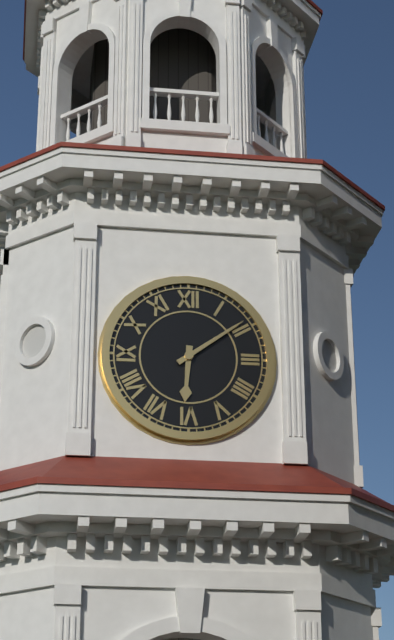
**6:09**
